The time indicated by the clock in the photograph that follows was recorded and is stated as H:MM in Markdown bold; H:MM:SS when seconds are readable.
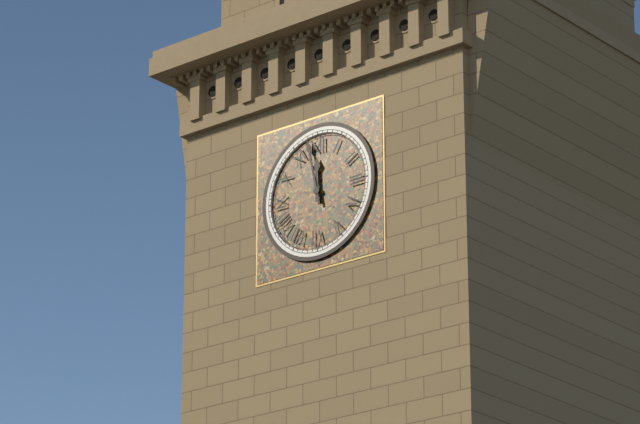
**11:58**
